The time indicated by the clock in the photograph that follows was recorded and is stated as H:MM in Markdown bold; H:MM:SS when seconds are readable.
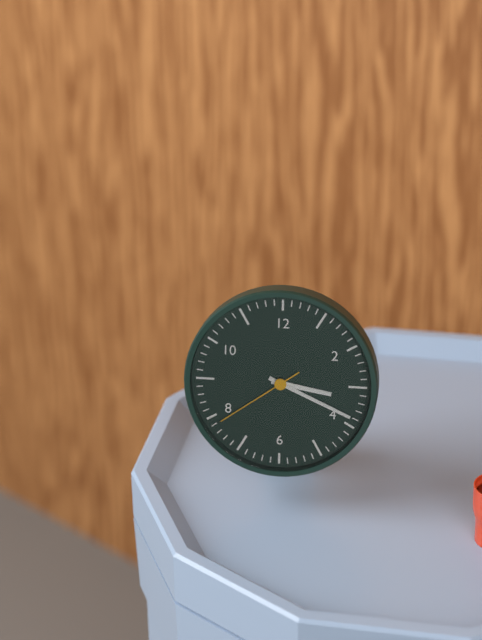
**3:19:39**
